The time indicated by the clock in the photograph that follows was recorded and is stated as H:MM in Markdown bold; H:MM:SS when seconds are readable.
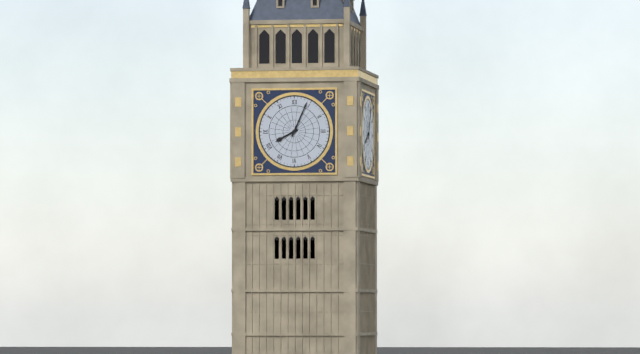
**8:04**
